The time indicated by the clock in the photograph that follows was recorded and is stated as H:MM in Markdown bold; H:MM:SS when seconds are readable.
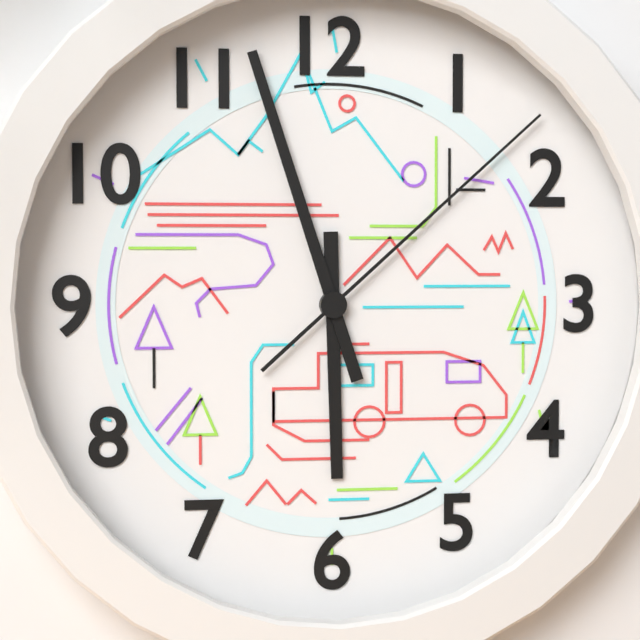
**5:57:08**
